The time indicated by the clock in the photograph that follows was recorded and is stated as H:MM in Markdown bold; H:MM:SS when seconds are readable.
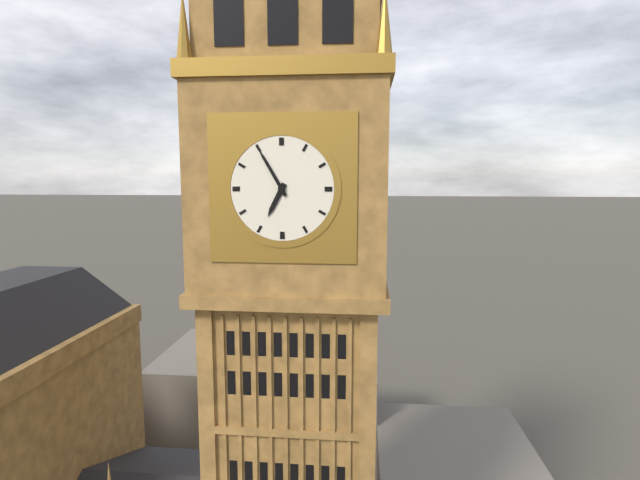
**6:55**
